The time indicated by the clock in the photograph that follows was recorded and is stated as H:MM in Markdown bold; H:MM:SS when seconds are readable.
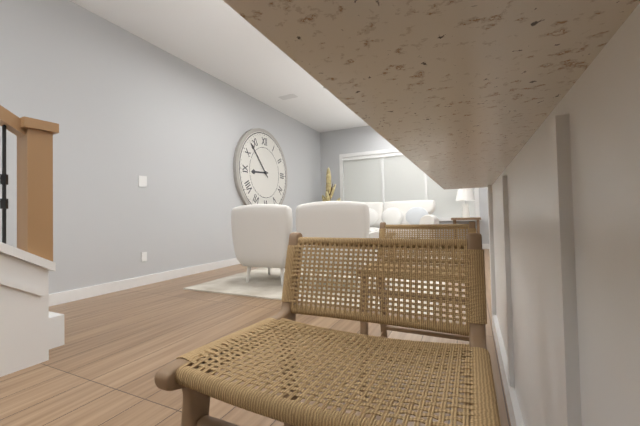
**8:53**
